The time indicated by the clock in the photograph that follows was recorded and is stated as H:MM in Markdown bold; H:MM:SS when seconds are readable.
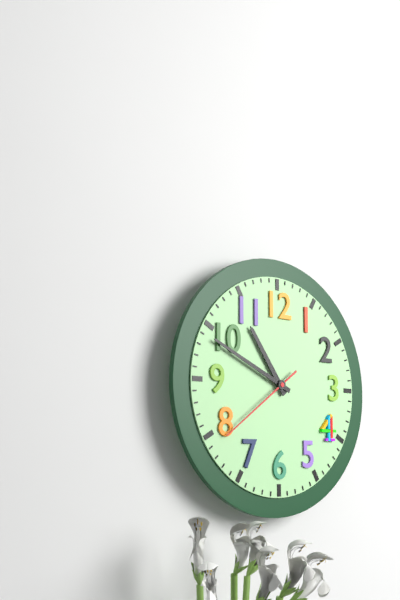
**10:49:39**
